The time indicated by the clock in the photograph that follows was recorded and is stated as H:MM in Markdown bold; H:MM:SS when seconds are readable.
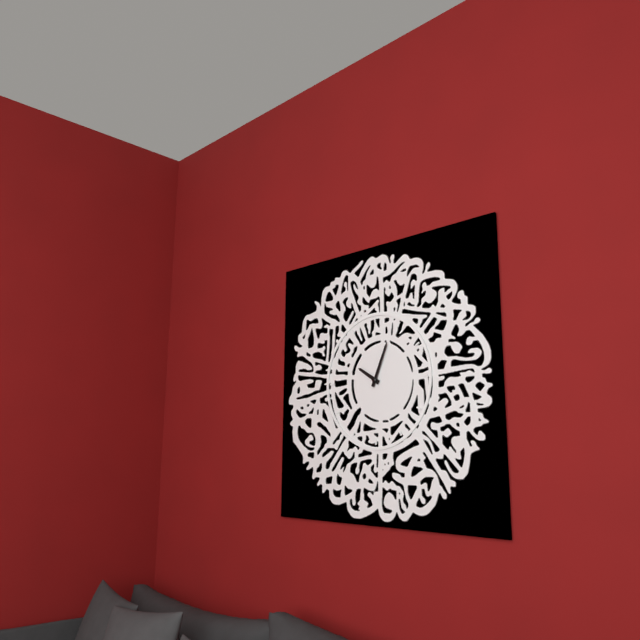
**10:04**
